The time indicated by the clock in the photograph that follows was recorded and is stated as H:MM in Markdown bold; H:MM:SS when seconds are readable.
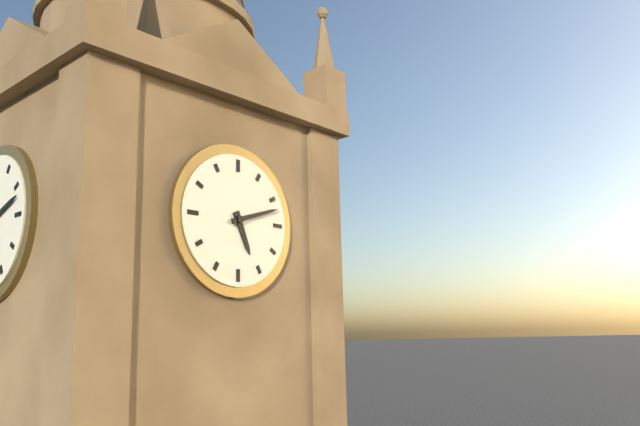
**5:12**
